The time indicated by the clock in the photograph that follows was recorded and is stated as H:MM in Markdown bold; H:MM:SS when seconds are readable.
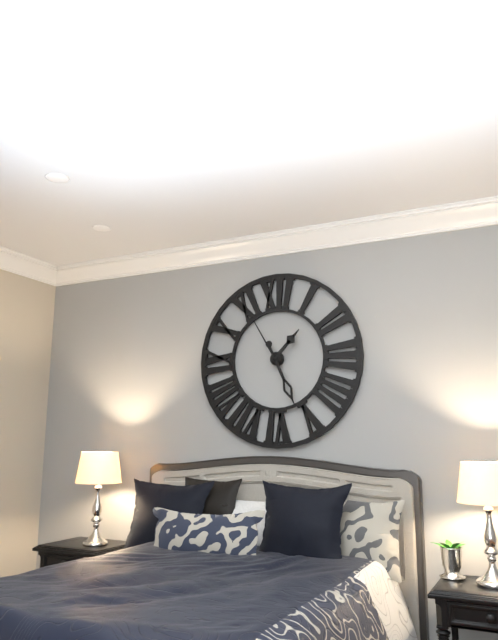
**1:26:55**
